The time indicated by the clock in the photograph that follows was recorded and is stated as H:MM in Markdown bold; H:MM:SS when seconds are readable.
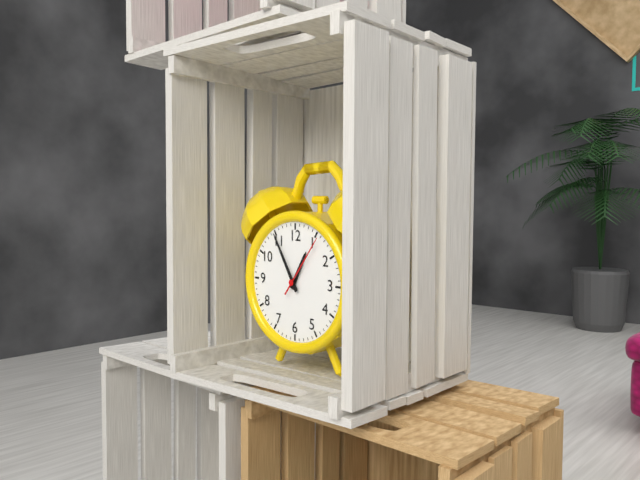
**12:55:06**
